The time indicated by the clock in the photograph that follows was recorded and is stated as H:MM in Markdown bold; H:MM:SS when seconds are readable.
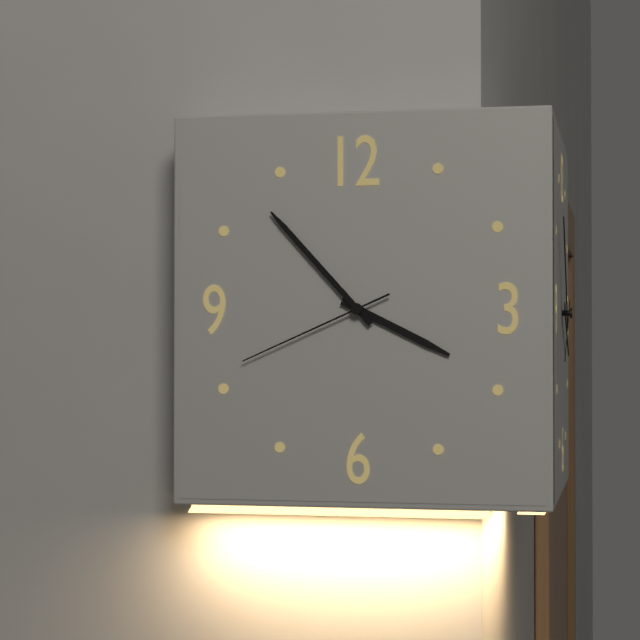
**3:53:41**
